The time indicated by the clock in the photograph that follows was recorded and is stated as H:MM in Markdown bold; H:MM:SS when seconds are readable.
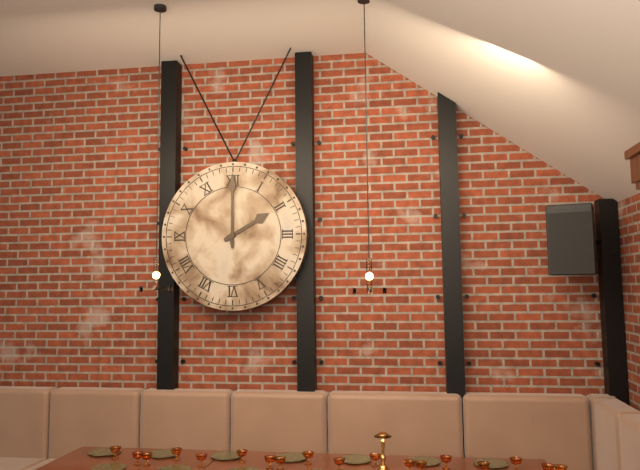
**2:00**
